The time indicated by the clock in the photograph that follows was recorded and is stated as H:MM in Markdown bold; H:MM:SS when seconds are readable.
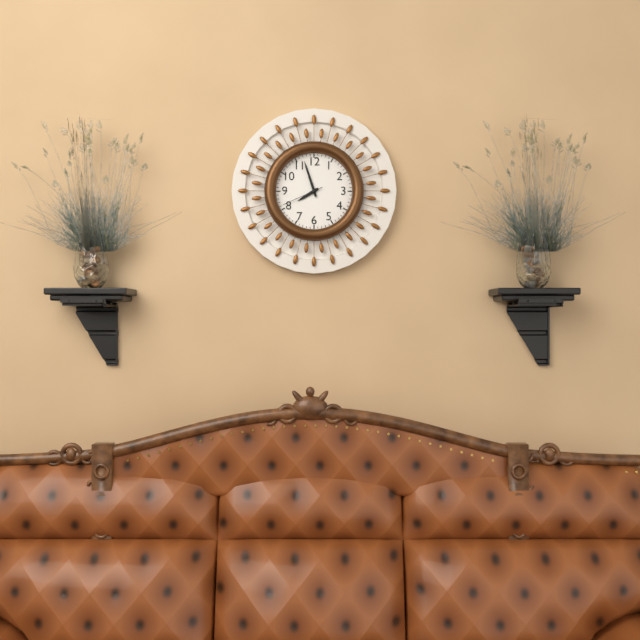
**7:57**
